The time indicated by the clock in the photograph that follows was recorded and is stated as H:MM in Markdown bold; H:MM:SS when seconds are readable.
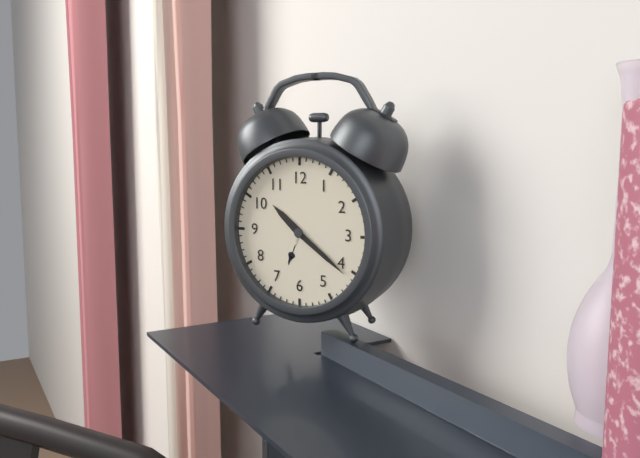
**10:21**
